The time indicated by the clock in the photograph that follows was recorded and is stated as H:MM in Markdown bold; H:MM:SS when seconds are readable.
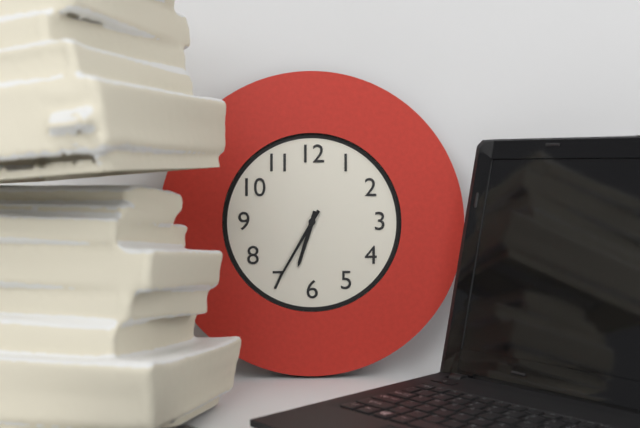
**6:35**
